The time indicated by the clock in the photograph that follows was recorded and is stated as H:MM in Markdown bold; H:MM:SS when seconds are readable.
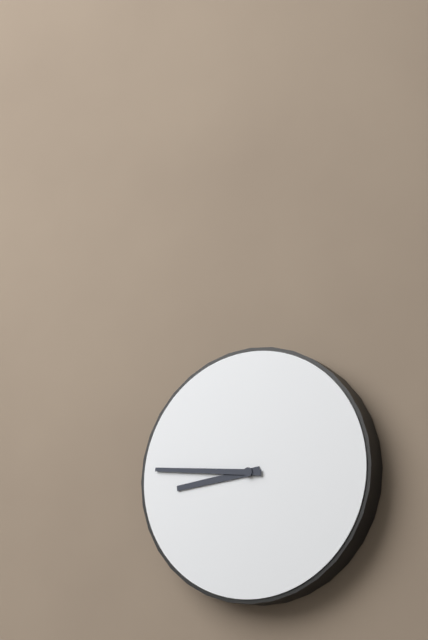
**8:46**
